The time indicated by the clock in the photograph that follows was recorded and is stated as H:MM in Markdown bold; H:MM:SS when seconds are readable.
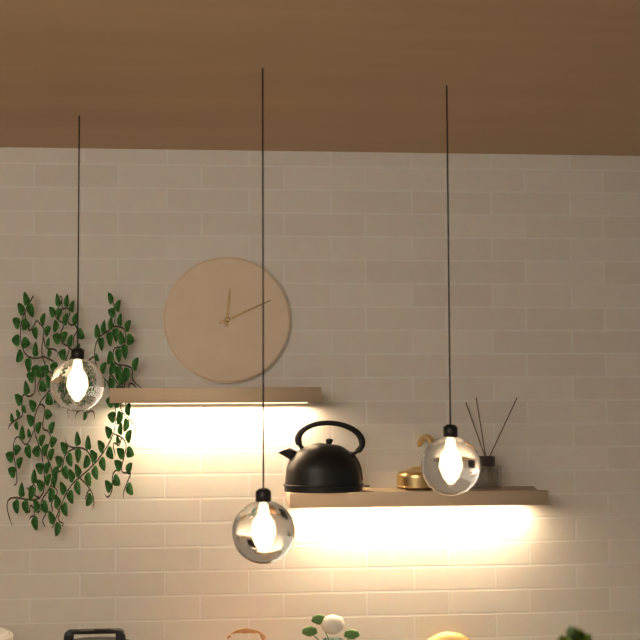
**12:11**
